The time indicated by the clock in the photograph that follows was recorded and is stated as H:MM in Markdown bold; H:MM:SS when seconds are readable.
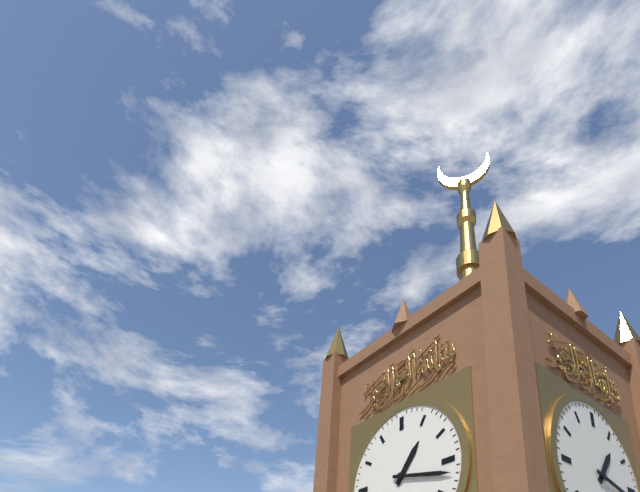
**1:17**
